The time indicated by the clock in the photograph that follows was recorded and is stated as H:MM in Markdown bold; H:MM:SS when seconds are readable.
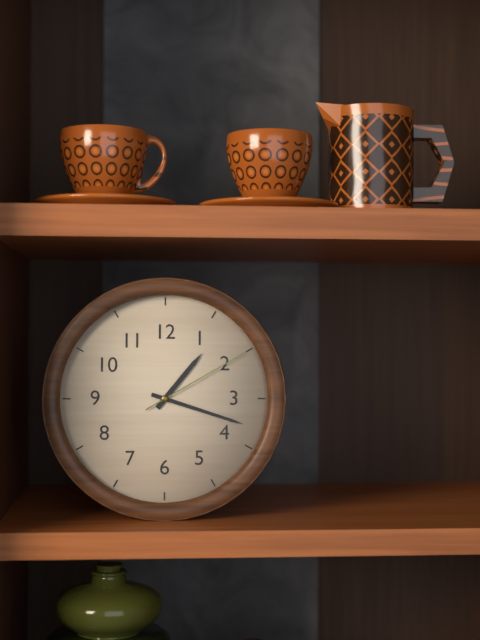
**1:18:10**
